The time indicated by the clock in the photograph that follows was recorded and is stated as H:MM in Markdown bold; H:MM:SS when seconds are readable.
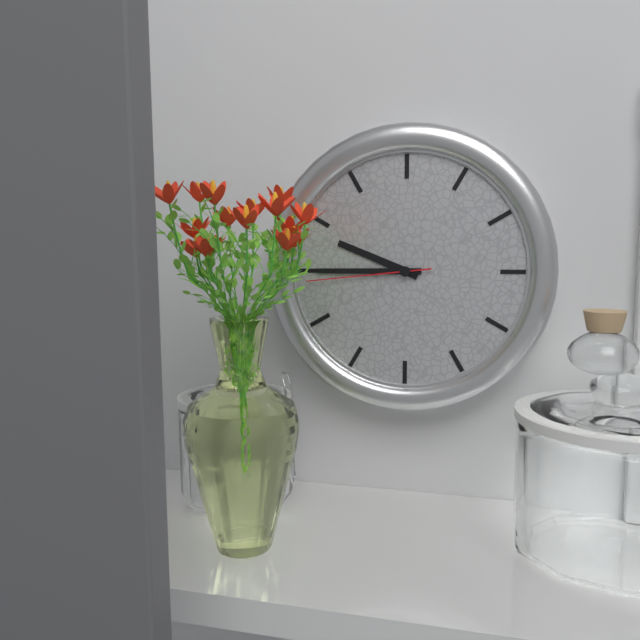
**9:45:44**
